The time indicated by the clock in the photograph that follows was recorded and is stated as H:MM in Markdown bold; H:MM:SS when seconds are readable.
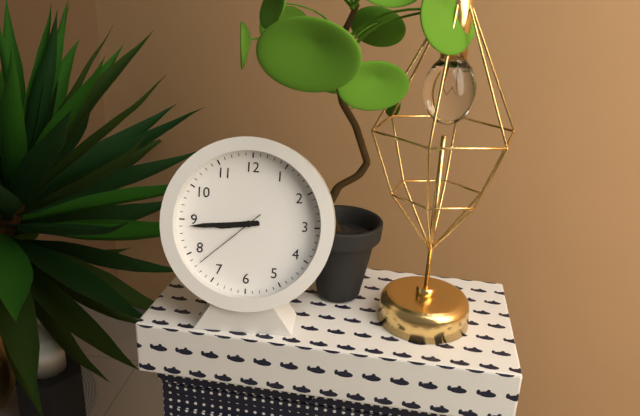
**8:44:38**
